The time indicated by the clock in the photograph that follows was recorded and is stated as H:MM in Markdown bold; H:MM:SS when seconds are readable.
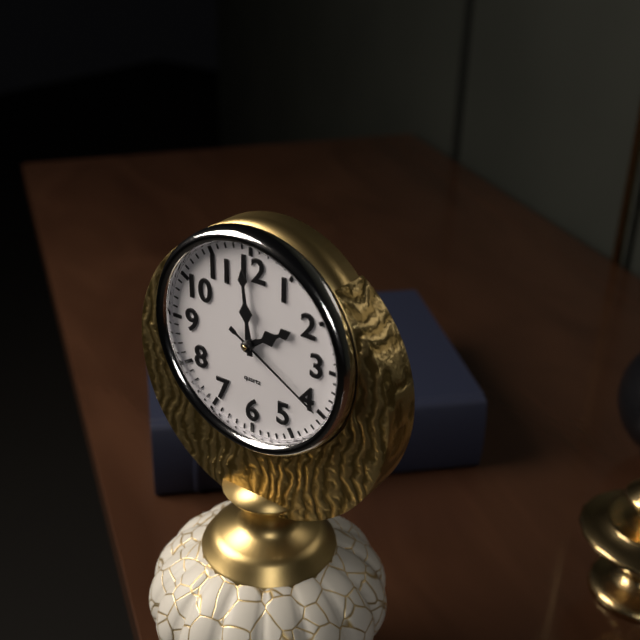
**1:59:20**
